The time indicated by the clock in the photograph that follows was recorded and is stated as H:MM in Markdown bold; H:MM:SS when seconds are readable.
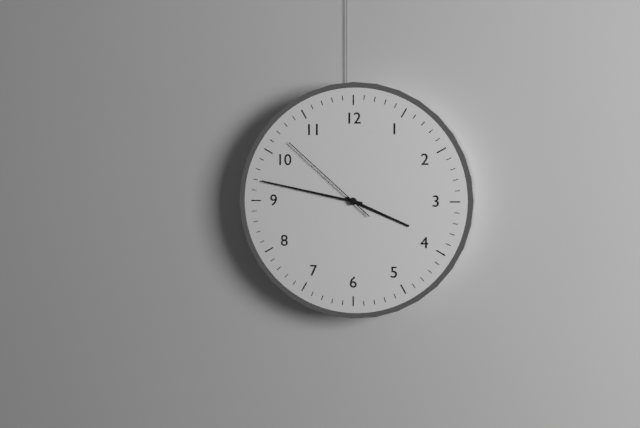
**3:47:52**
